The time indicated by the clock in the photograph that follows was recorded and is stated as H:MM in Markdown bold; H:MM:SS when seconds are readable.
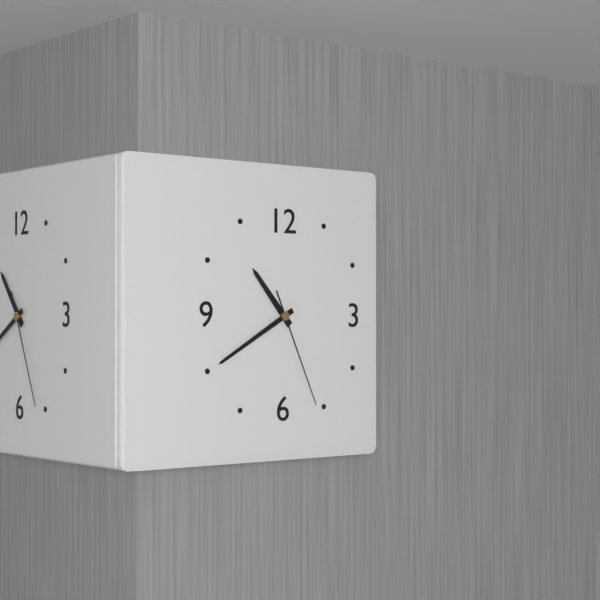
**10:40:26**
